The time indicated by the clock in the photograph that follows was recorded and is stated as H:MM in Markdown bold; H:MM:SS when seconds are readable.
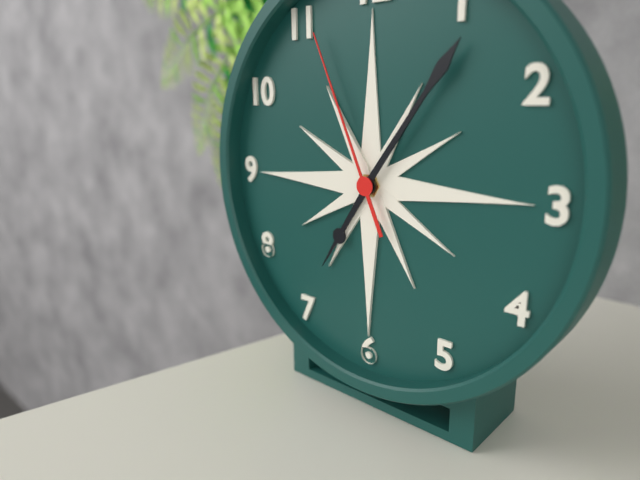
**7:06:56**
